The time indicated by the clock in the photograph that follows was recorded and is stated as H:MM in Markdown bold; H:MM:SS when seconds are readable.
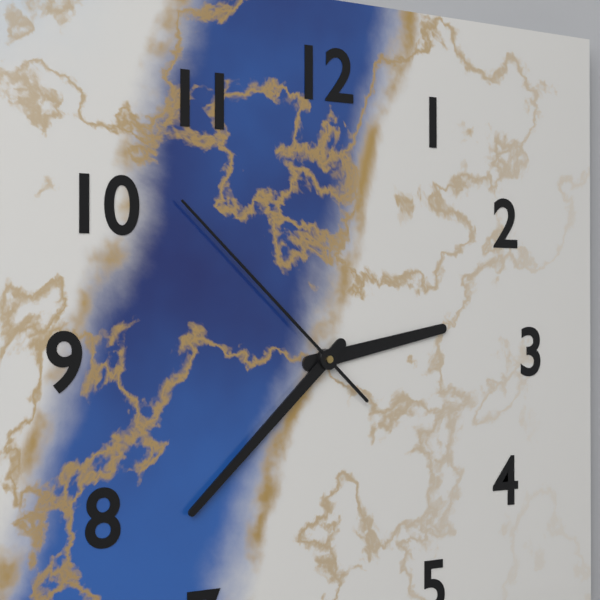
**2:38:52**
